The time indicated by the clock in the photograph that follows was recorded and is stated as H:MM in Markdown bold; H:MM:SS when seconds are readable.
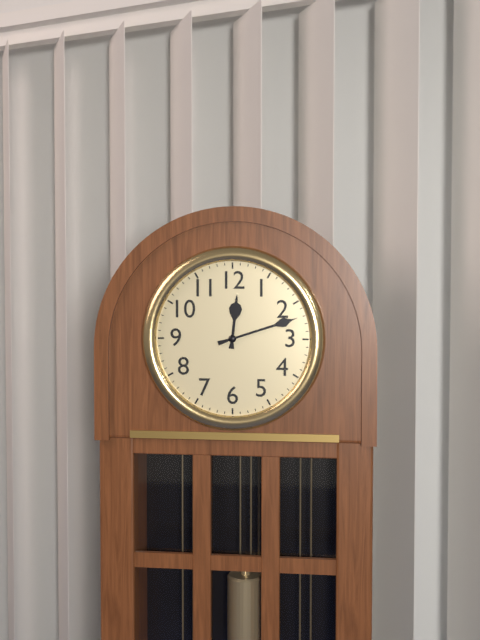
**12:12**
